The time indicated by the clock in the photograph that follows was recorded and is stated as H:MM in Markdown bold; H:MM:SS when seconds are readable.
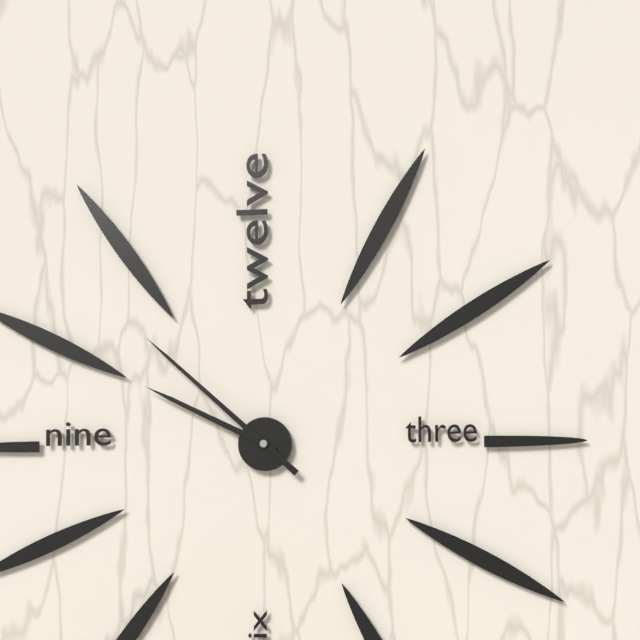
**9:52**
